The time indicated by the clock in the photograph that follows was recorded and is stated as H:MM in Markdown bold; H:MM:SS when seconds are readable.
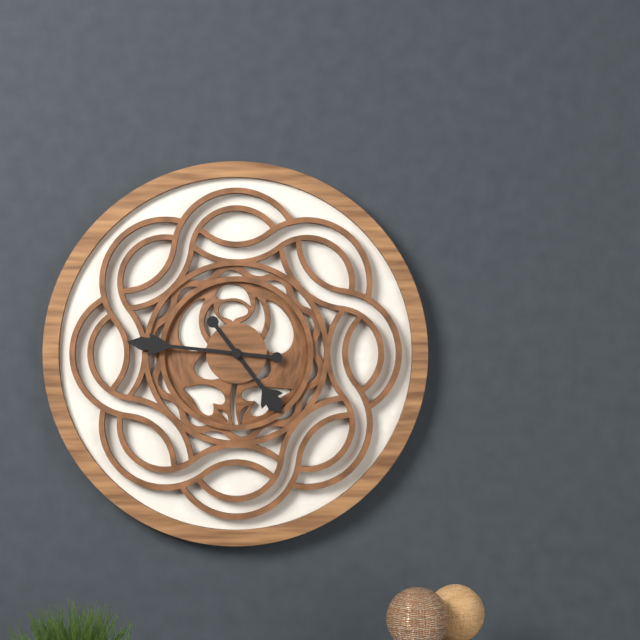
**4:46**
